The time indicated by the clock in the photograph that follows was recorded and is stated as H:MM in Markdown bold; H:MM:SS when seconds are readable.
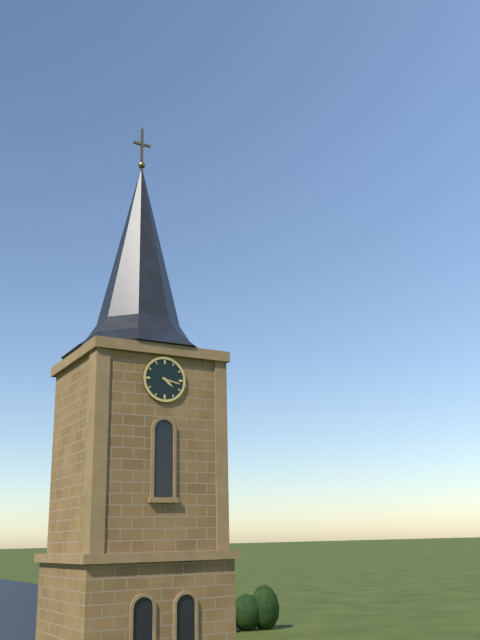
**4:17**
